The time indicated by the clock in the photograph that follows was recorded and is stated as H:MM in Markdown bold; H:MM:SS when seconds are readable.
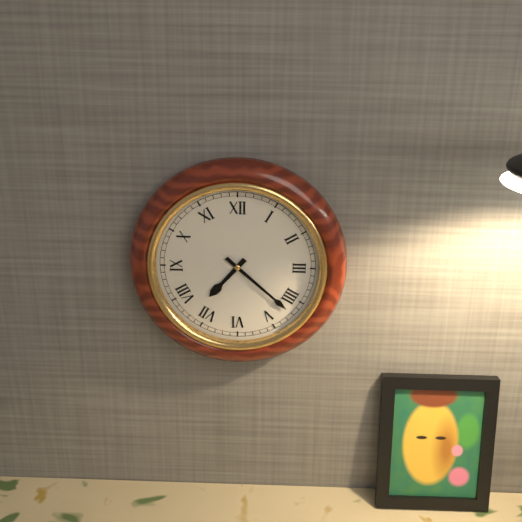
**7:22**
